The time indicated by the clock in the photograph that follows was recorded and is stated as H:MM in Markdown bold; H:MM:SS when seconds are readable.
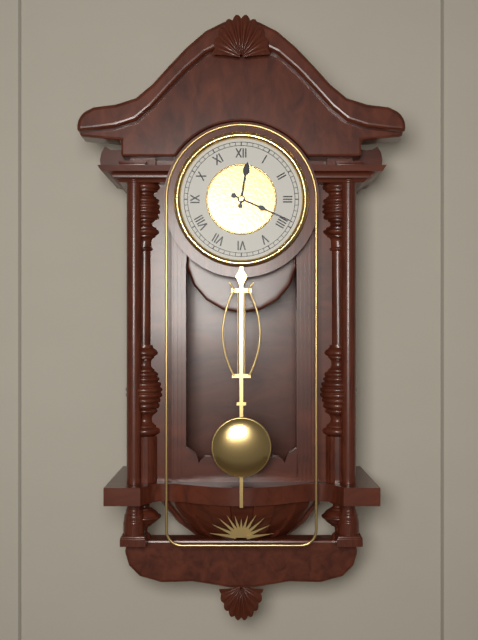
**12:19**
